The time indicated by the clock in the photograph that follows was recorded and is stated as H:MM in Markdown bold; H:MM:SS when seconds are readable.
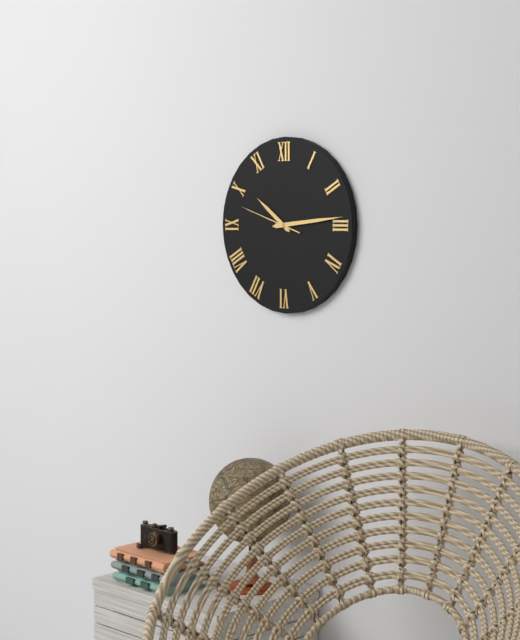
**10:14:48**
